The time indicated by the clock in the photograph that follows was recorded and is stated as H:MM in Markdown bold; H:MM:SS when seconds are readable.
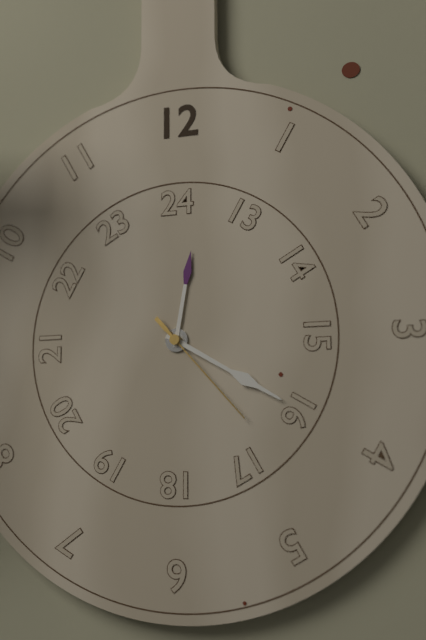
**12:20:23**
